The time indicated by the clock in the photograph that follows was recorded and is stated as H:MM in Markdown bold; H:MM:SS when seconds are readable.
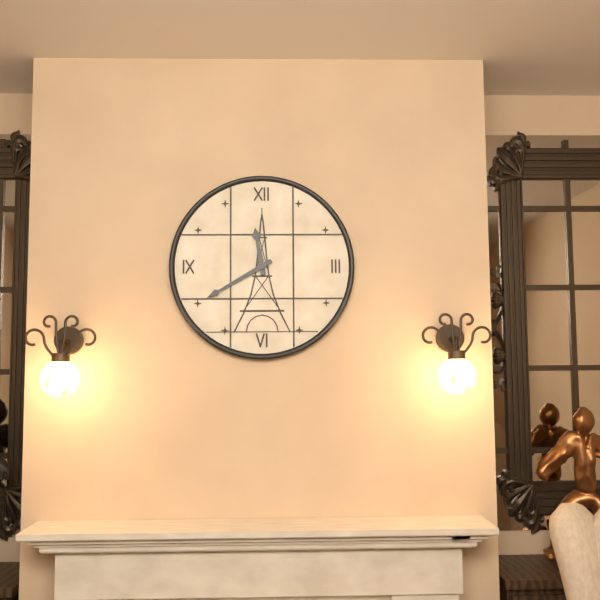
**11:40**
